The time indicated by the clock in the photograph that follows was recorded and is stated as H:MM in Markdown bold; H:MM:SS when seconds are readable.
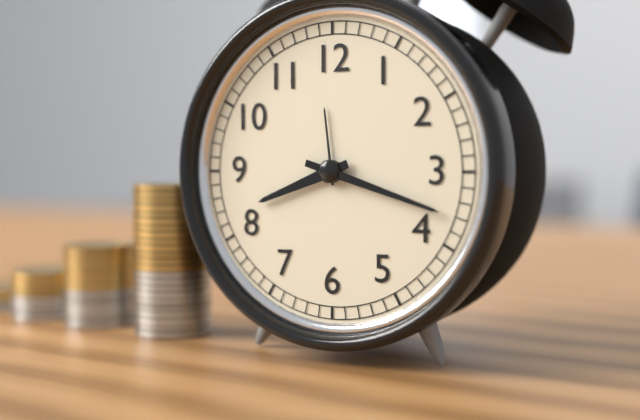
**8:18**
